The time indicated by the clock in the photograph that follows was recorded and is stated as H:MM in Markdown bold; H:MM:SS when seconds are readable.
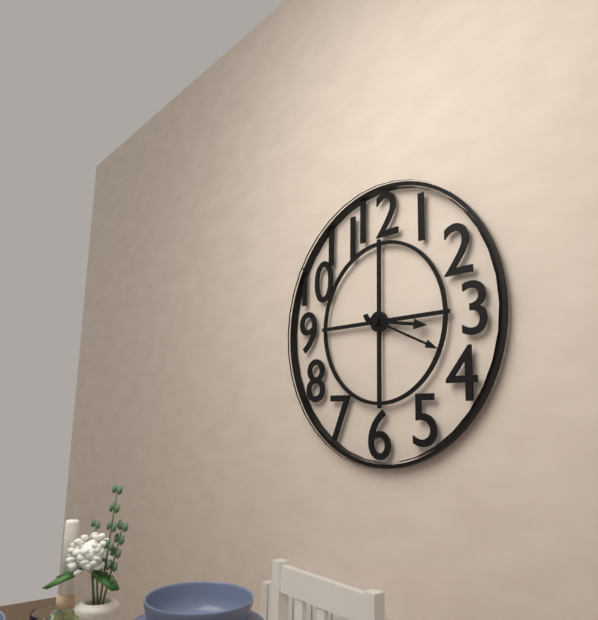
**3:19**
